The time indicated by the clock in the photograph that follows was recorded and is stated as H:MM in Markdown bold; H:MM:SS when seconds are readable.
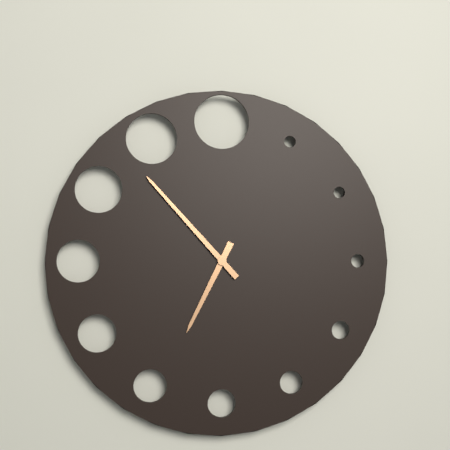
**6:53**
